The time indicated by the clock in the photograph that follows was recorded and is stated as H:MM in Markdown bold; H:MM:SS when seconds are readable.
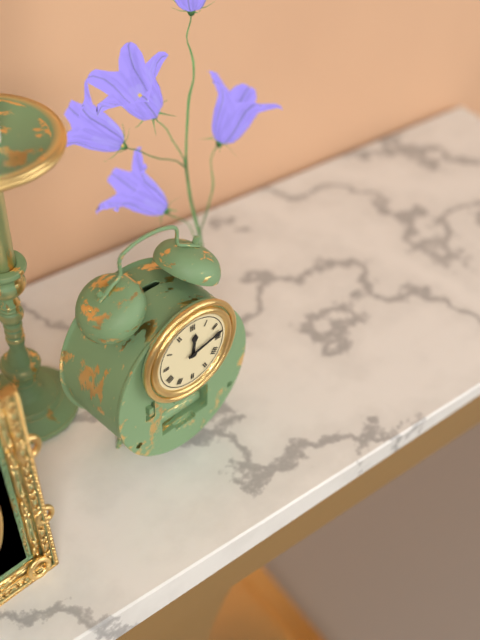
**12:13**
